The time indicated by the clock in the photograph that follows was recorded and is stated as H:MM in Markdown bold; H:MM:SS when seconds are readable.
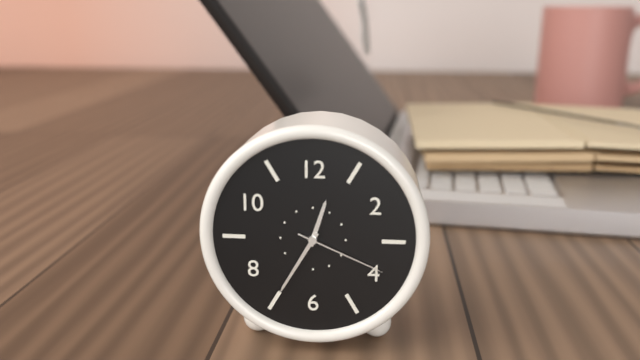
**12:35:19**
